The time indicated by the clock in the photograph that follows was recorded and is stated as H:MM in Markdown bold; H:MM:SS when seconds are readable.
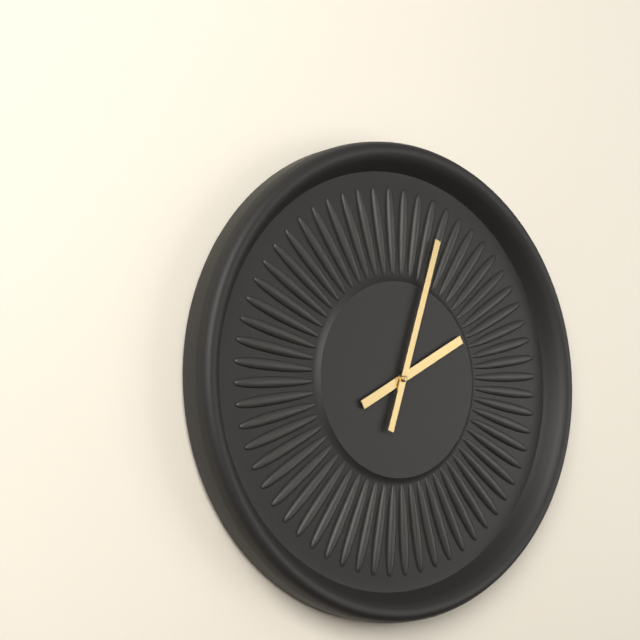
**2:03**
